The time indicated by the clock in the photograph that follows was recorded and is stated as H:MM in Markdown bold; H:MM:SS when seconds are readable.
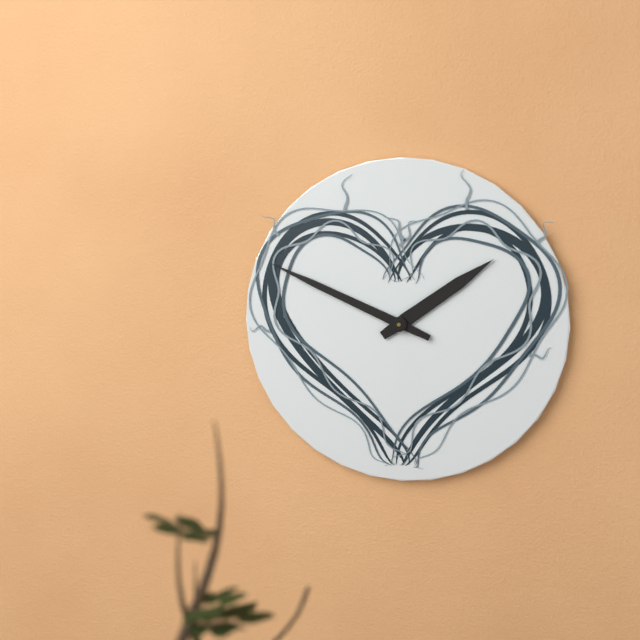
**1:49**
